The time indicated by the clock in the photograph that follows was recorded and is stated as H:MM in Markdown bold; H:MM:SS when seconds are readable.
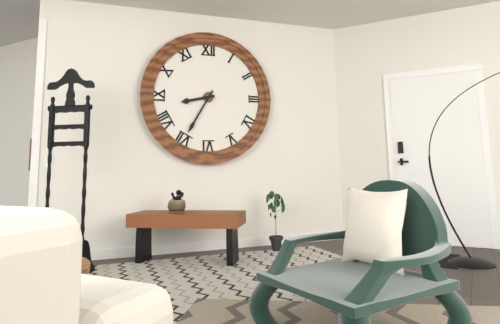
**8:35**
